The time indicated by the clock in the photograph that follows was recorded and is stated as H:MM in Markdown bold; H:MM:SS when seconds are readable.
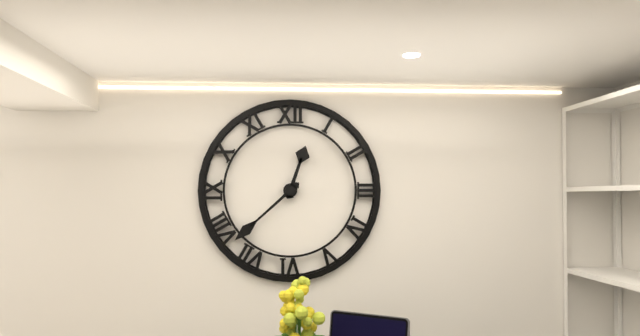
**12:38**
